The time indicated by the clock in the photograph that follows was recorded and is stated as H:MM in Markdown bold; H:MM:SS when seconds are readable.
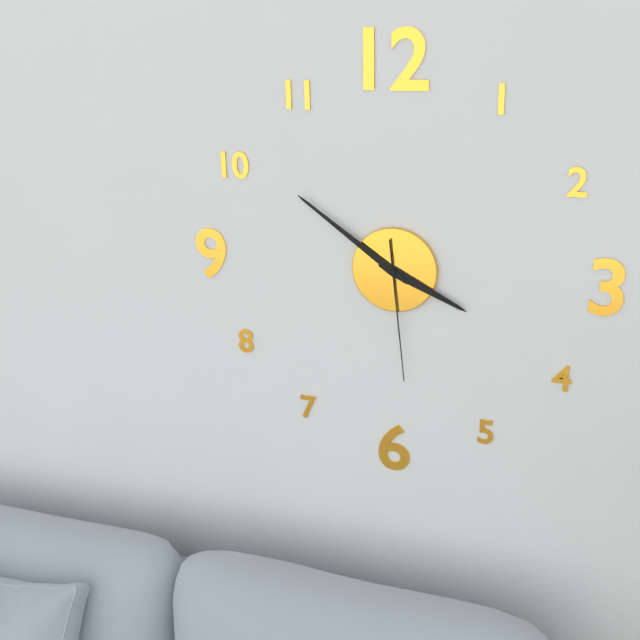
**3:51:29**
